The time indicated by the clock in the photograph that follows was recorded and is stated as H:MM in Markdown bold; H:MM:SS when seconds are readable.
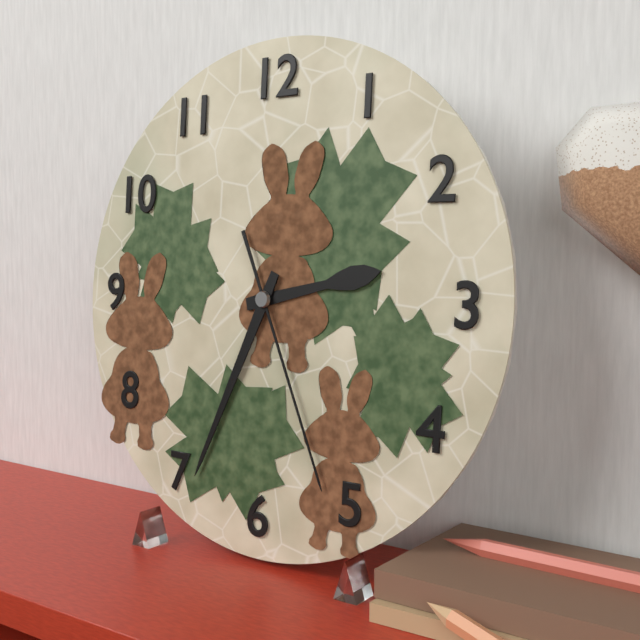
**2:34:26**
